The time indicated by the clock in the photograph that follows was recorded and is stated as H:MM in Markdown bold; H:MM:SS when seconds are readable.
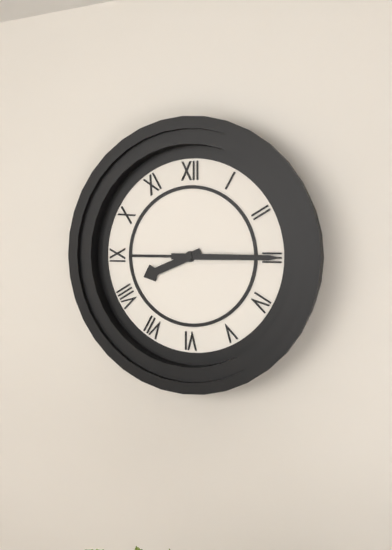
**8:15**
